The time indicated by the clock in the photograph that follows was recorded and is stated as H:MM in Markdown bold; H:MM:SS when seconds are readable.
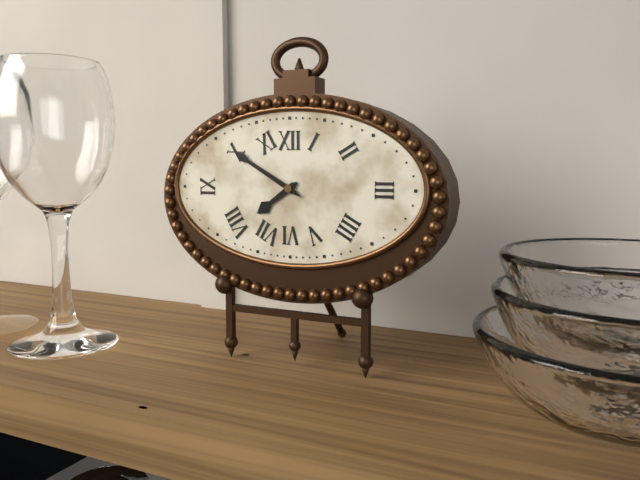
**7:50**
